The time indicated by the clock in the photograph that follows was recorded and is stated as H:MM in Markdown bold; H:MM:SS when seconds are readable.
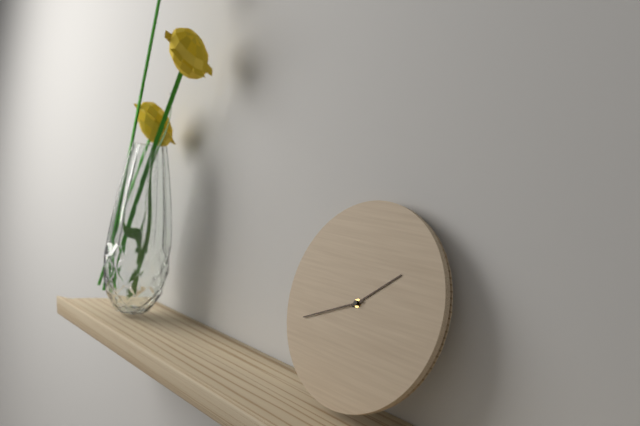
**1:41**
